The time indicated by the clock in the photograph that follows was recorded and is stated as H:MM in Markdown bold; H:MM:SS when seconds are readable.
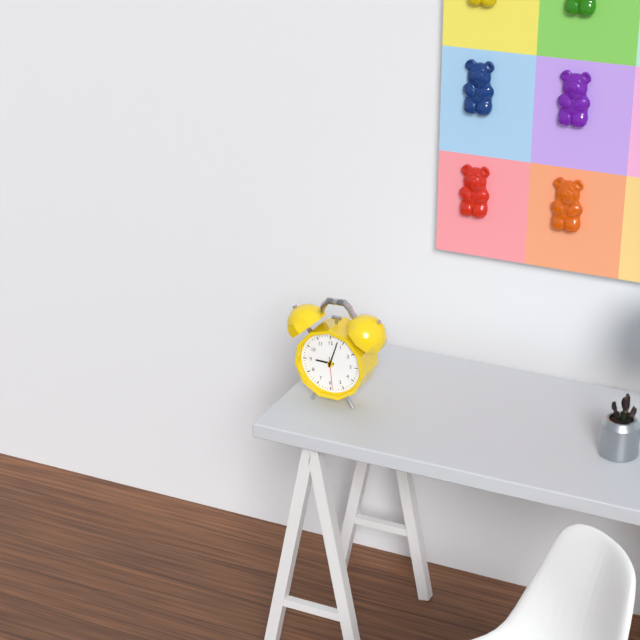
**9:03**
